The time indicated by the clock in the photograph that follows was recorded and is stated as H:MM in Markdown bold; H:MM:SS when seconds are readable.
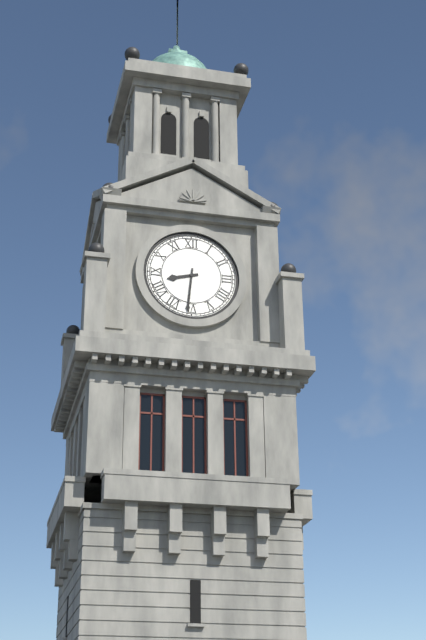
**8:31**
